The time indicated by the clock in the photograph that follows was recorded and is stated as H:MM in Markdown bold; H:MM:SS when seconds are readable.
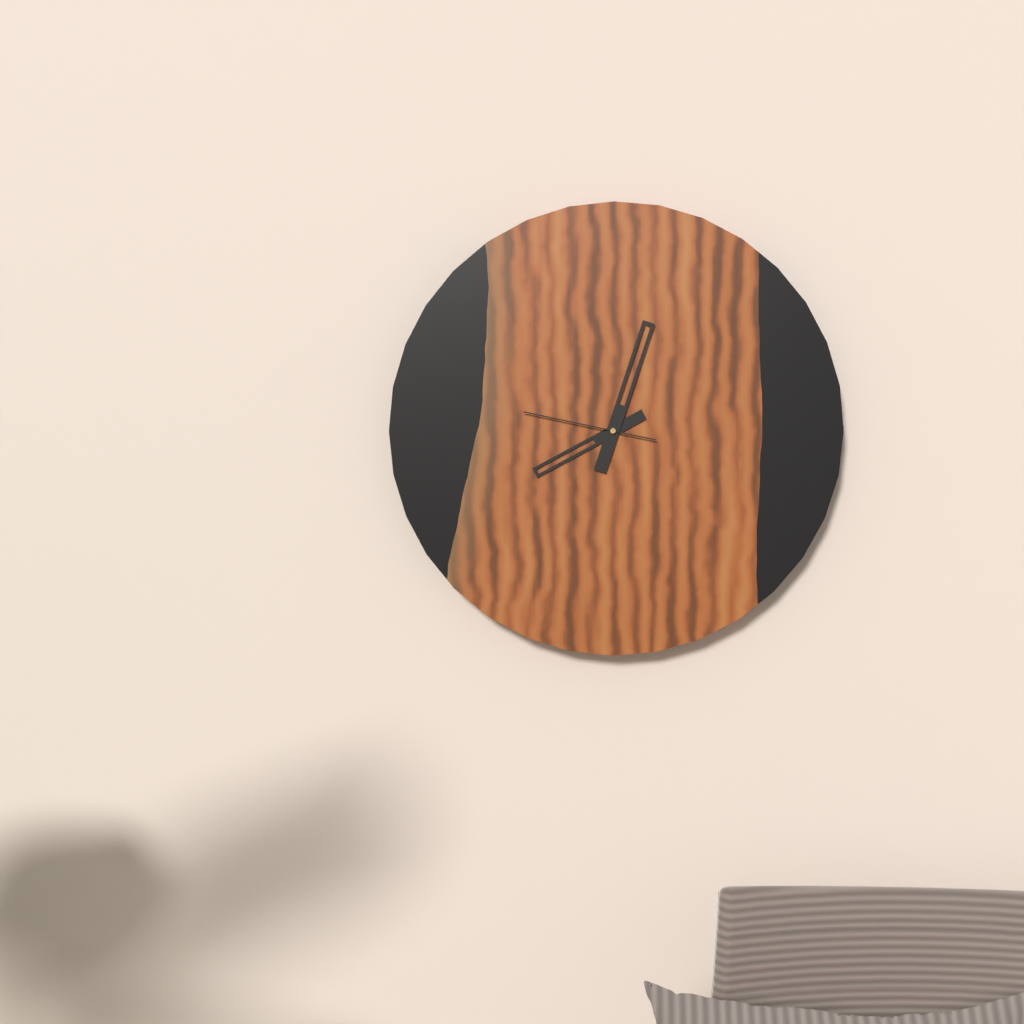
**8:03:47**
